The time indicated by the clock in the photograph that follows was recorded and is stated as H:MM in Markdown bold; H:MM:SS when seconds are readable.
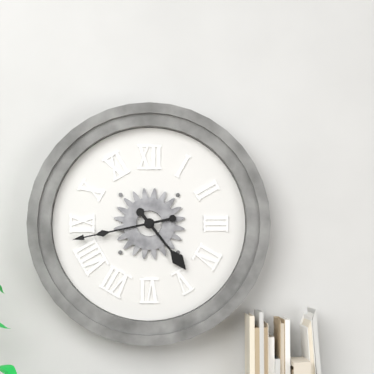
**4:43**
